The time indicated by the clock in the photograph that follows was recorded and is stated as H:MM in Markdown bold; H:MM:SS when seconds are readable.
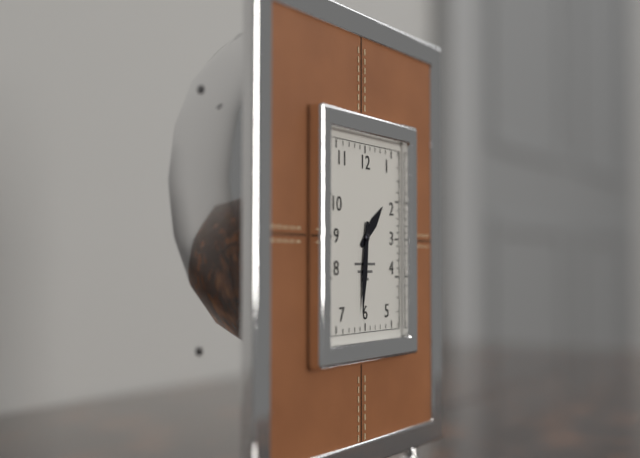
**1:31**
